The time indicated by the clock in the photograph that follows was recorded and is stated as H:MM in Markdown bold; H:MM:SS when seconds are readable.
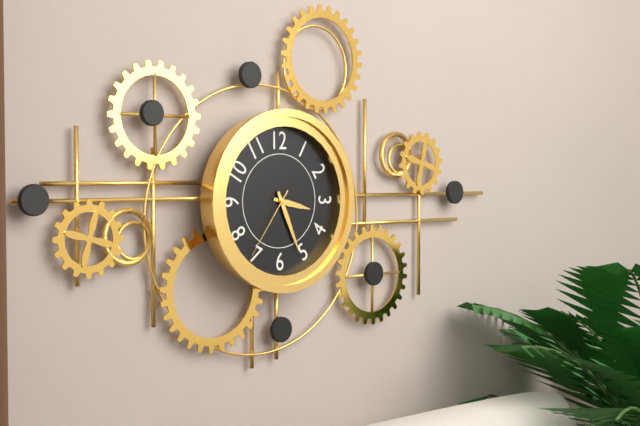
**3:26:36**
